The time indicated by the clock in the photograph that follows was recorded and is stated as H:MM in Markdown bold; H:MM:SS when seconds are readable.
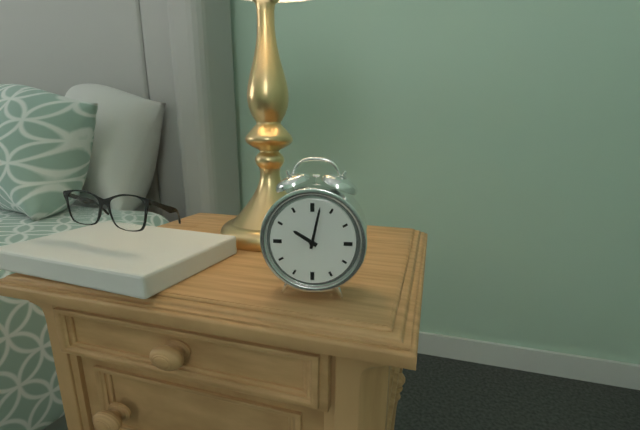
**10:02**
